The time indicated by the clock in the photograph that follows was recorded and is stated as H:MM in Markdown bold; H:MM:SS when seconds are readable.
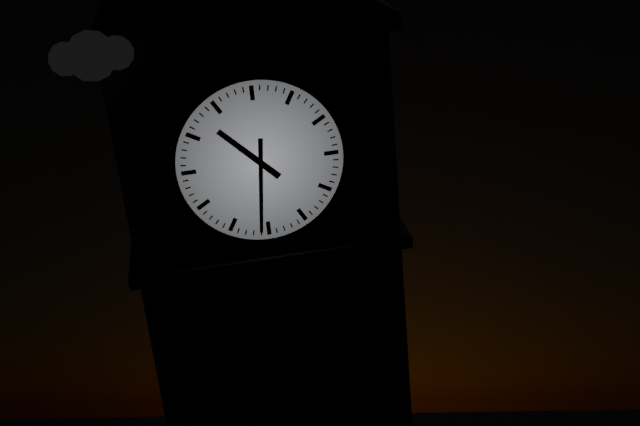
**10:31**
